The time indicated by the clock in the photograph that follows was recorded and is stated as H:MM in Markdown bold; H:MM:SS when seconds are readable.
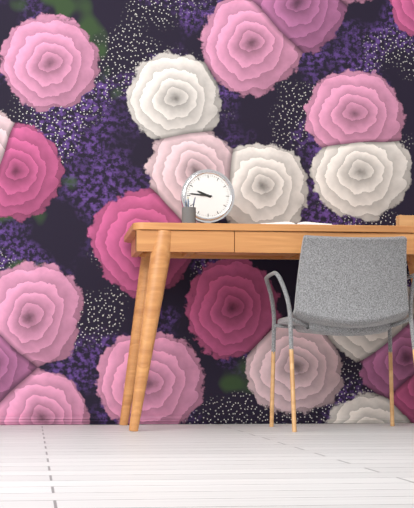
**9:46**
